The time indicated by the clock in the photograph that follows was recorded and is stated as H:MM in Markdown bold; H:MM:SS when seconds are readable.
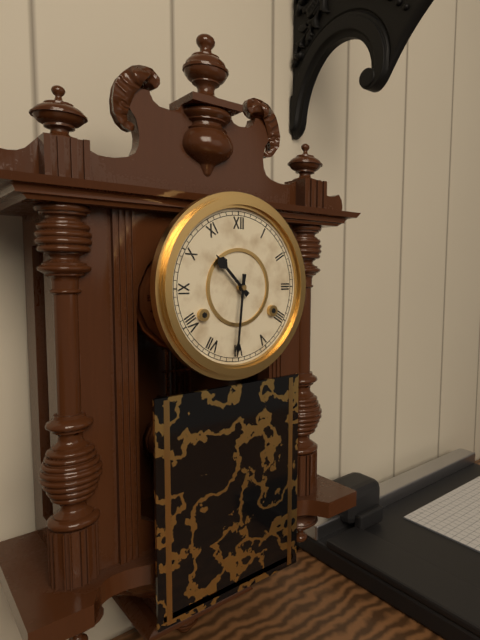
**10:31**
